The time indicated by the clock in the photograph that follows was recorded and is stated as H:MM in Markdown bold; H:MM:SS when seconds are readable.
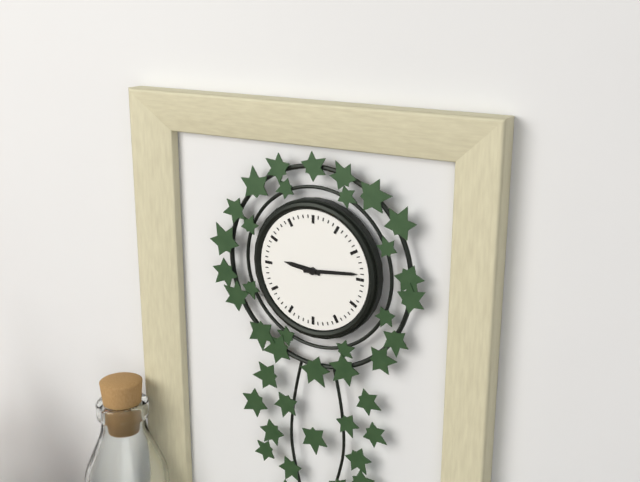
**9:14**
